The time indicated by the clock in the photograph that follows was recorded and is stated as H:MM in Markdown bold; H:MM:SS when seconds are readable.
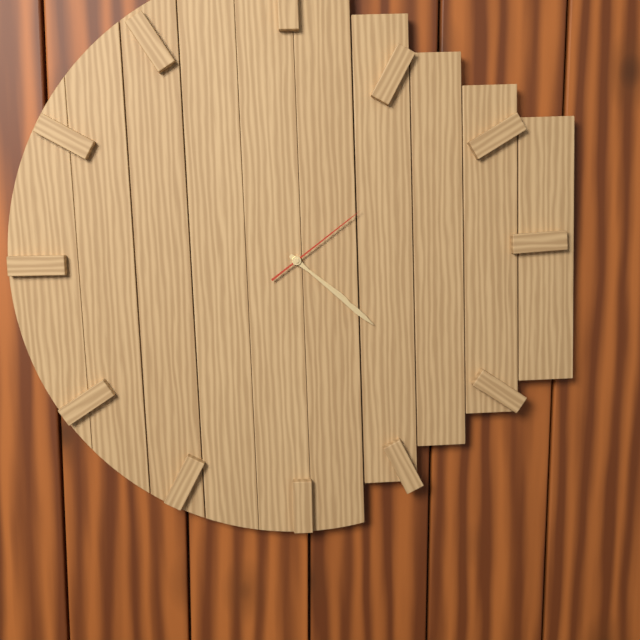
**4:22:09**
